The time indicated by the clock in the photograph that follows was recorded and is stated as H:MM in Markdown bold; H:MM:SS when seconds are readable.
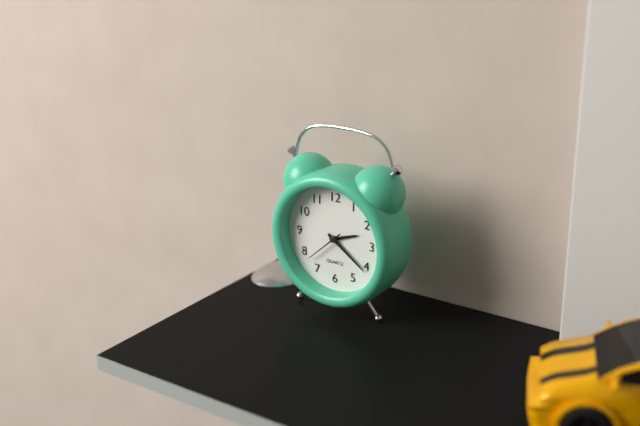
**2:21**
